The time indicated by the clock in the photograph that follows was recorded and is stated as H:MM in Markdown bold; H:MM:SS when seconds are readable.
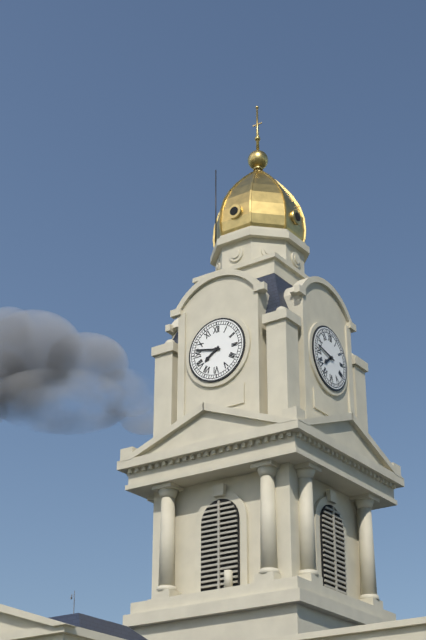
**7:47**
